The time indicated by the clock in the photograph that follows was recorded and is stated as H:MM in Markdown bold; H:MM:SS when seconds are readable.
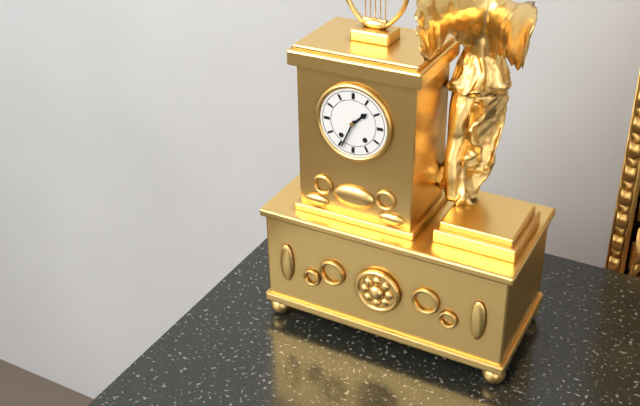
**1:34**
